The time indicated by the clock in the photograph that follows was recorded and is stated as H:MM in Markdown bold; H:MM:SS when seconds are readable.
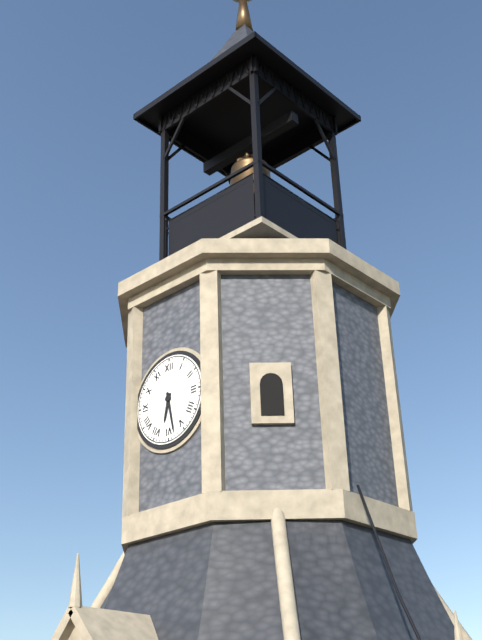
**6:28**
